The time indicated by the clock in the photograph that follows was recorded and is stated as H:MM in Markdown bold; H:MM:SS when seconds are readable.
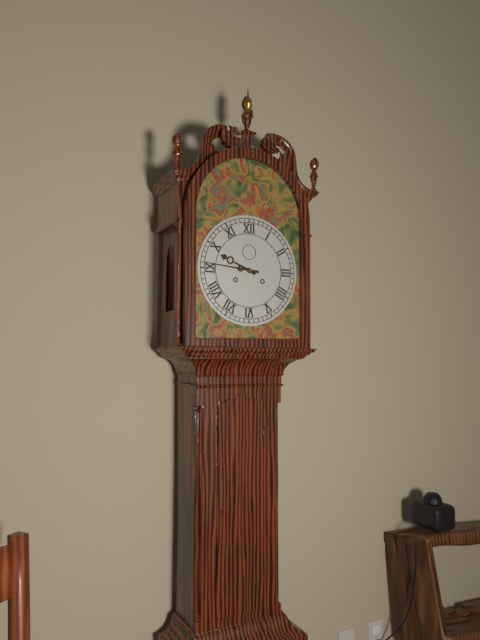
**9:46**
